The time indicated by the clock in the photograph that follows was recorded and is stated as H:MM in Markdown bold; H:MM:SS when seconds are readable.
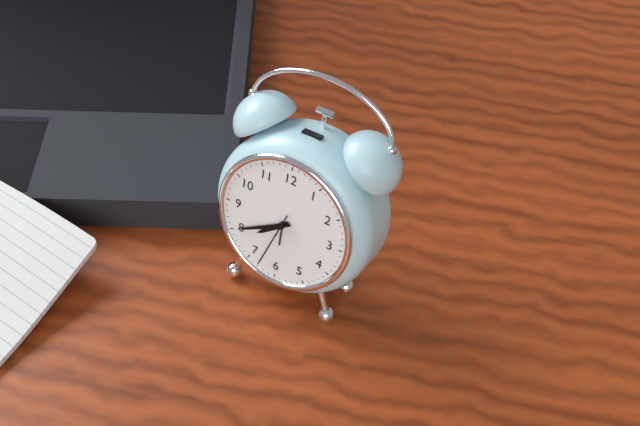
**7:40:33**
